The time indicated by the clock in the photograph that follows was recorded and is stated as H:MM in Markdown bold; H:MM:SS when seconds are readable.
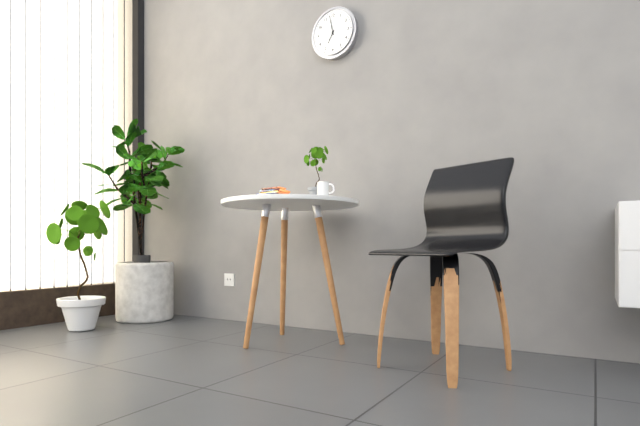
**6:58**
